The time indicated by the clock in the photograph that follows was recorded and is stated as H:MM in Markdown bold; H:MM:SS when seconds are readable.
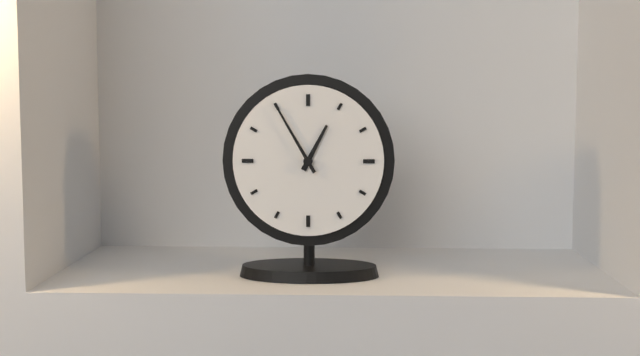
**12:55**
